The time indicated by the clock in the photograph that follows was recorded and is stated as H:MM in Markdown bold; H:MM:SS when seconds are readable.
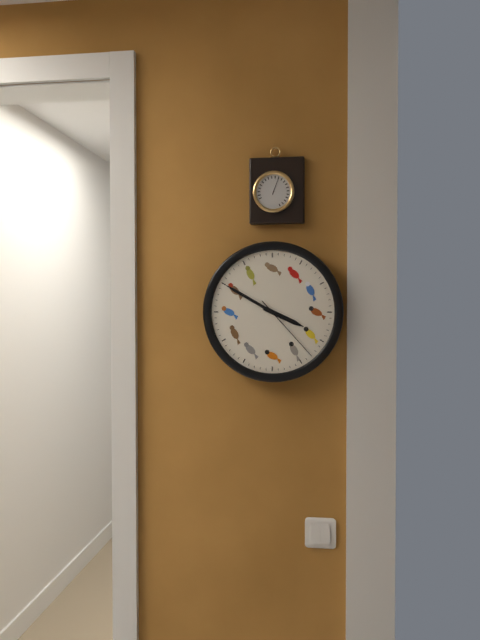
**3:50:23**
